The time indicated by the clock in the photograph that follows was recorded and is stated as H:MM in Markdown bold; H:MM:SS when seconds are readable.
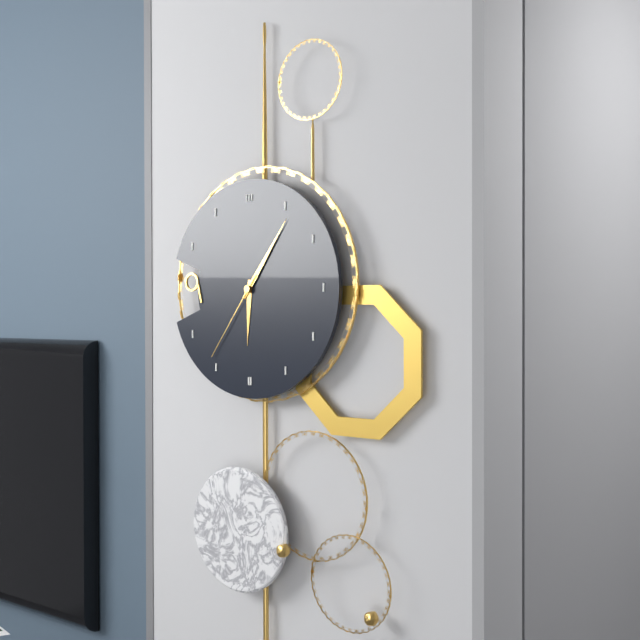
**6:06:36**
